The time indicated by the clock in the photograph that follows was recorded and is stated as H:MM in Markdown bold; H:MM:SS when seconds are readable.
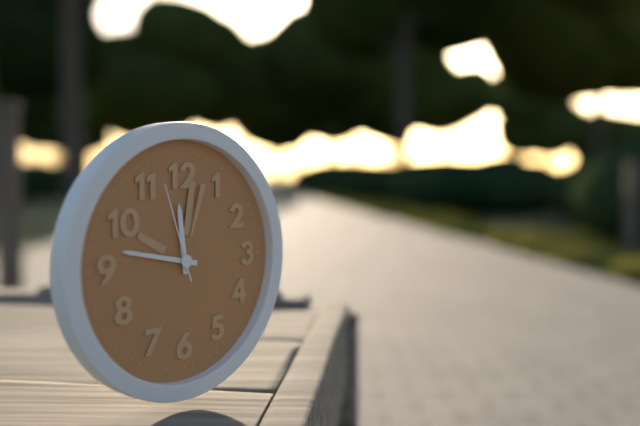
**11:47:57**
